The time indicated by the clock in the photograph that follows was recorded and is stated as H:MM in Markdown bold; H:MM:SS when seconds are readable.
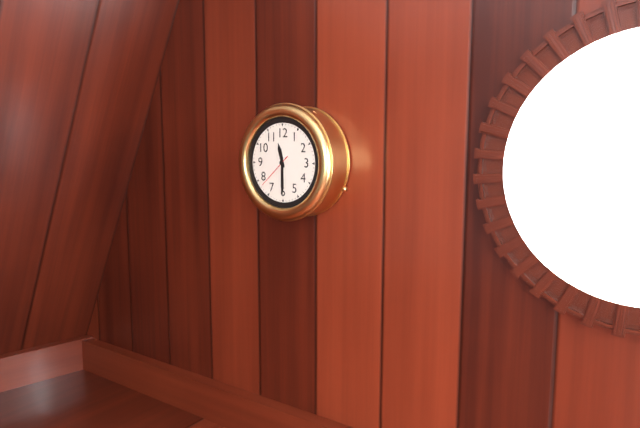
**11:30**
